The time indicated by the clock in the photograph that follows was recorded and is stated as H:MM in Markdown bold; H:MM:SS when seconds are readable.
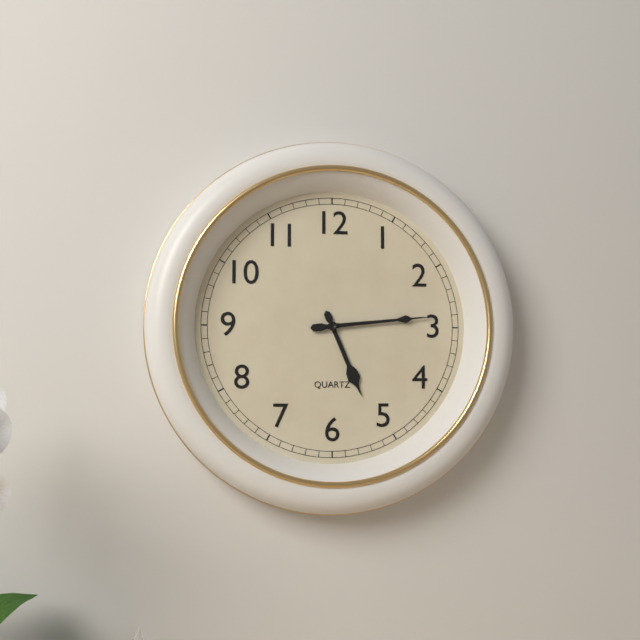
**5:14**
